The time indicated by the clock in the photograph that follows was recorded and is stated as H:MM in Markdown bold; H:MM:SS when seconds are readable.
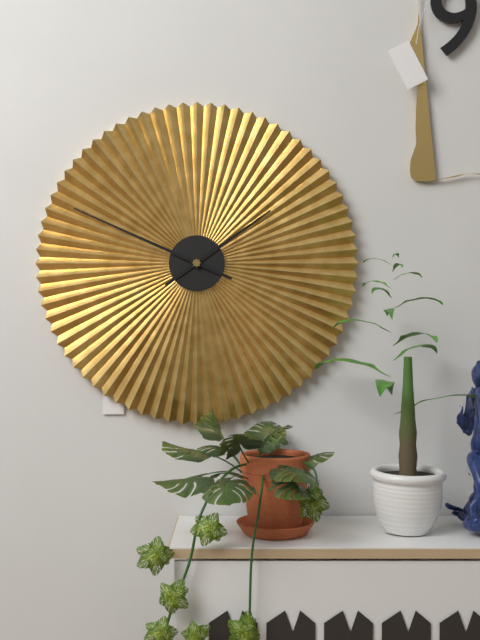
**1:49**
